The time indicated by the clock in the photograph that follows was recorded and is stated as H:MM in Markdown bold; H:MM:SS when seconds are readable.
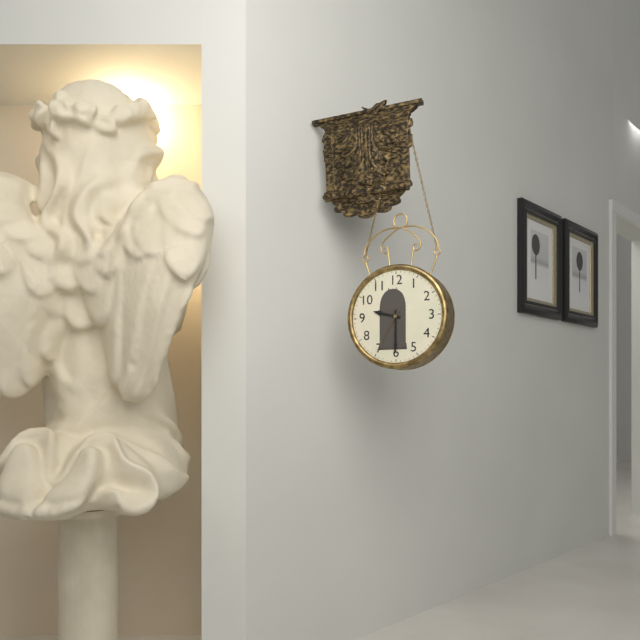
**9:30**
